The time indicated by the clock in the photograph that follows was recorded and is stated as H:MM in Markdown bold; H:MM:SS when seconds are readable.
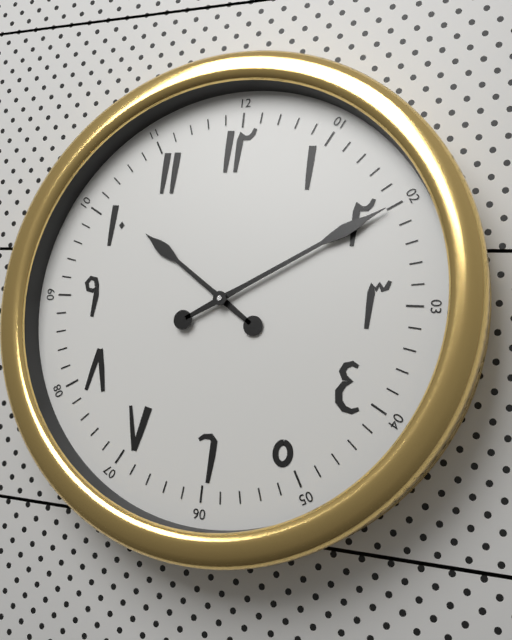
**10:10**
